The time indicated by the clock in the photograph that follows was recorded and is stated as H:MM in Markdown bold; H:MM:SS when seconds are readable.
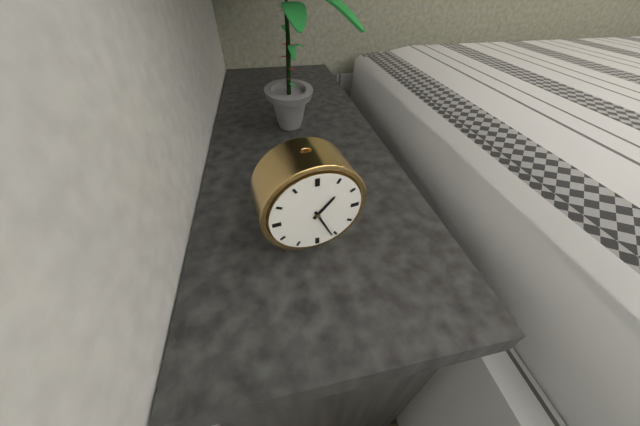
**1:26**
